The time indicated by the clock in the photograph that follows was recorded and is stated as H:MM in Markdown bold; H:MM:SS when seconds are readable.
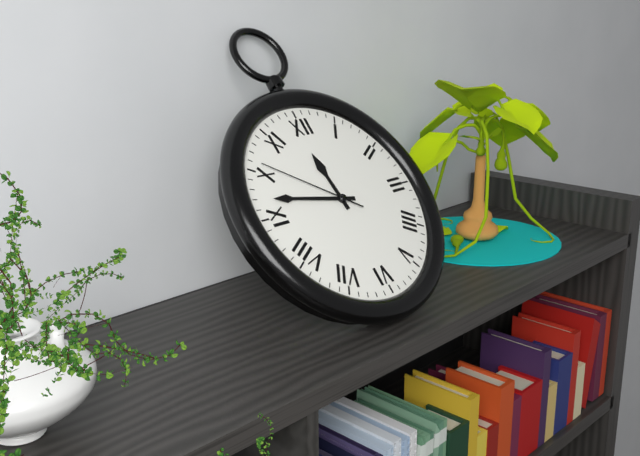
**11:47:51**
